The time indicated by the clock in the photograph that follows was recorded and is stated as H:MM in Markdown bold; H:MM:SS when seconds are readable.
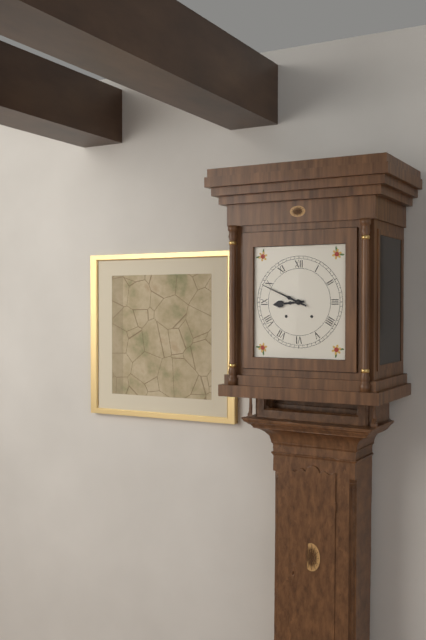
**8:49**
